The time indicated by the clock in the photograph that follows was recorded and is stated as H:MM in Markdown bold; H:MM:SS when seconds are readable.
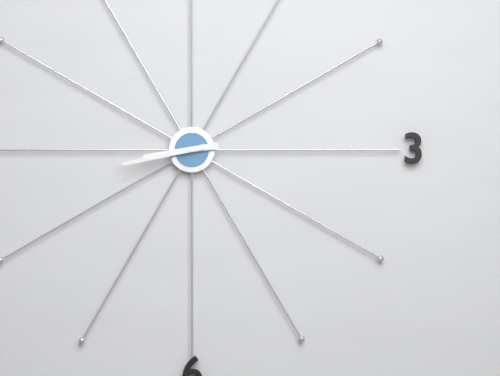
**8:43**
